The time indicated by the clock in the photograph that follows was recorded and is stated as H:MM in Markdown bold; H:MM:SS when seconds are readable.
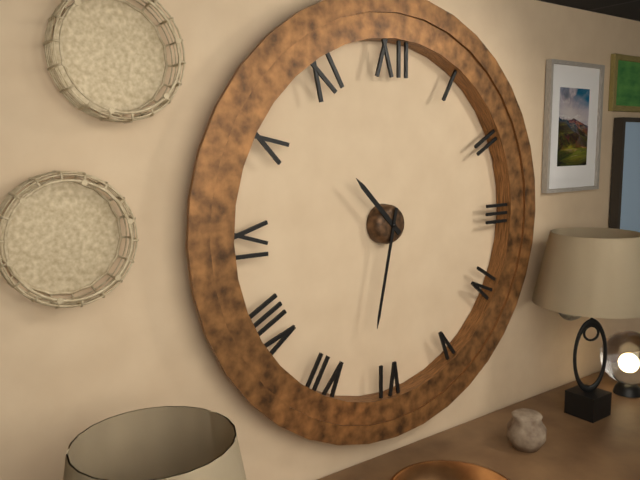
**10:32**
